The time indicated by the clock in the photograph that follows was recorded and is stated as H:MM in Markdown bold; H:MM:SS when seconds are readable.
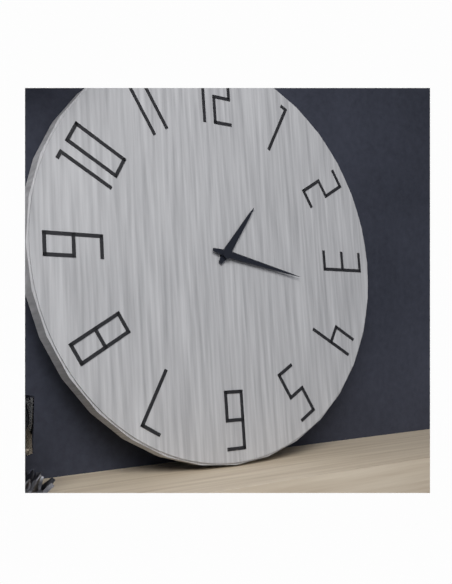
**1:17**
